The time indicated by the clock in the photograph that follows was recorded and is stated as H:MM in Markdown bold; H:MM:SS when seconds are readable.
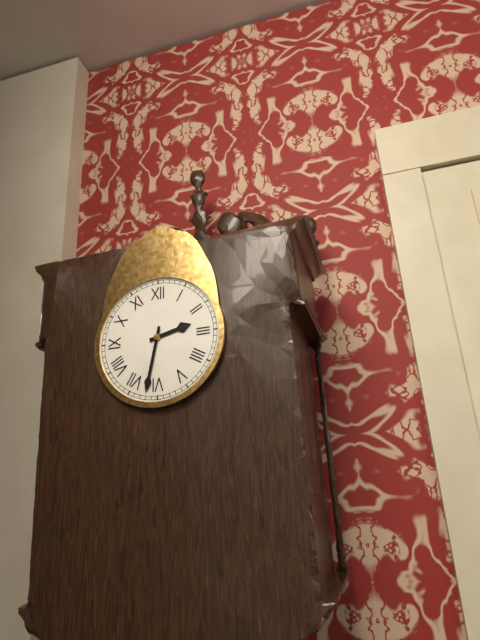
**2:32**
